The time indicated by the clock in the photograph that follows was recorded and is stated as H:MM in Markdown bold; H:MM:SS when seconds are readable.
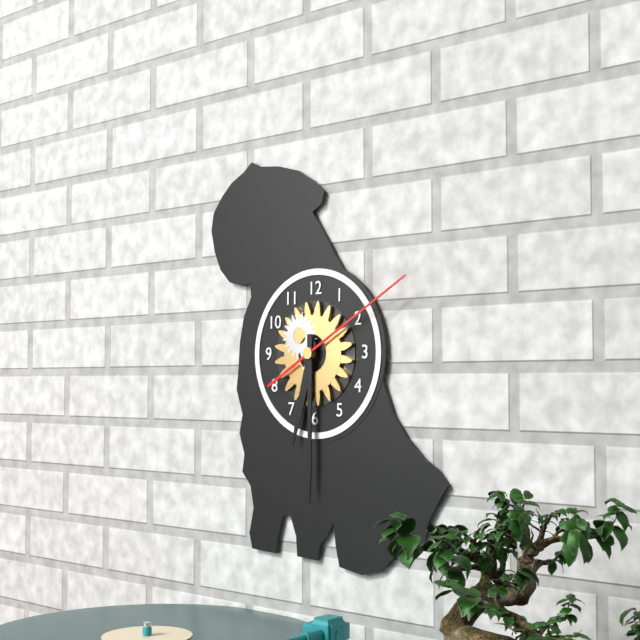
**6:30:10**
